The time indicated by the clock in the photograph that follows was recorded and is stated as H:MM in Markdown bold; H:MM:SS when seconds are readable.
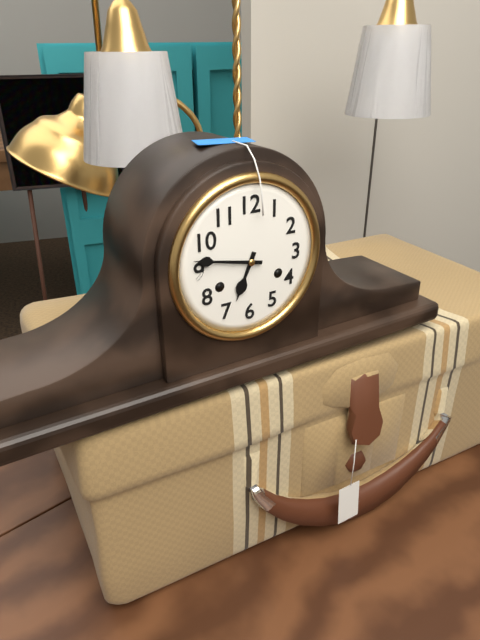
**6:47**
